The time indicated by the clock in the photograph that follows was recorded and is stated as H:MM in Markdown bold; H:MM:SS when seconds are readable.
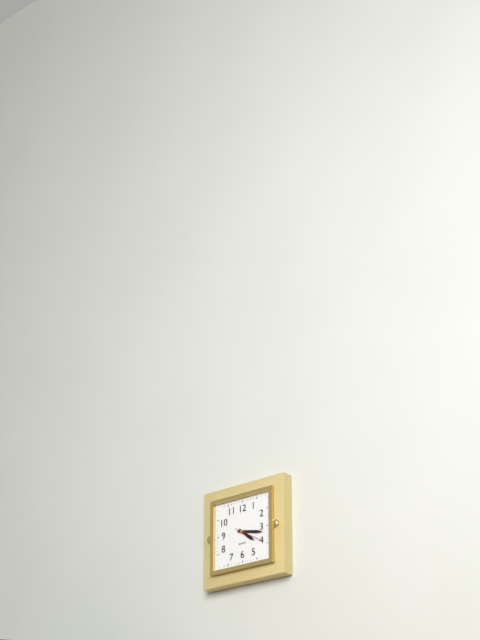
**4:17**
